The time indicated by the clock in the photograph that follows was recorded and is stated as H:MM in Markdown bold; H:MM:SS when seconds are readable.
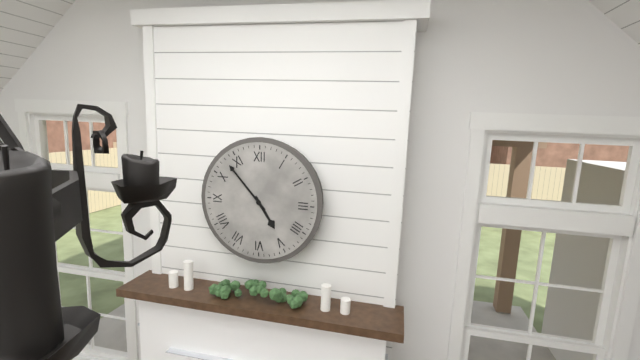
**4:53**
